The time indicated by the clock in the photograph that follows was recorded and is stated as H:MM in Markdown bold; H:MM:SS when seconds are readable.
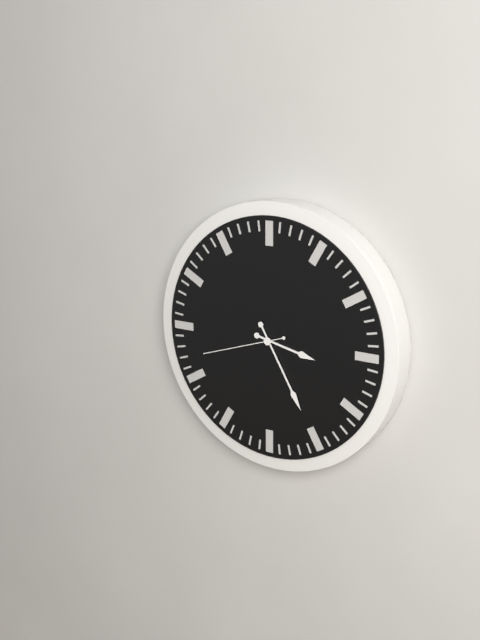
**3:25:42**
